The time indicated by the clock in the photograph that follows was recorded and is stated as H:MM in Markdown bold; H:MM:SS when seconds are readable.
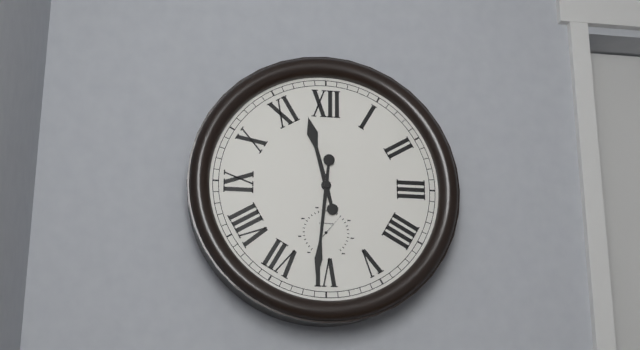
**11:31**
